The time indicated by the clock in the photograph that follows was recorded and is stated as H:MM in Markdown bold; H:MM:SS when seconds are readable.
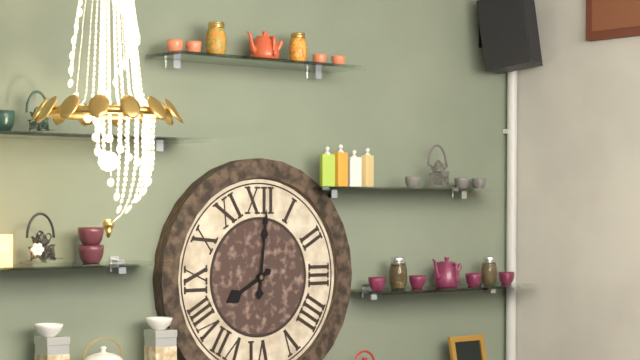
**8:01**
